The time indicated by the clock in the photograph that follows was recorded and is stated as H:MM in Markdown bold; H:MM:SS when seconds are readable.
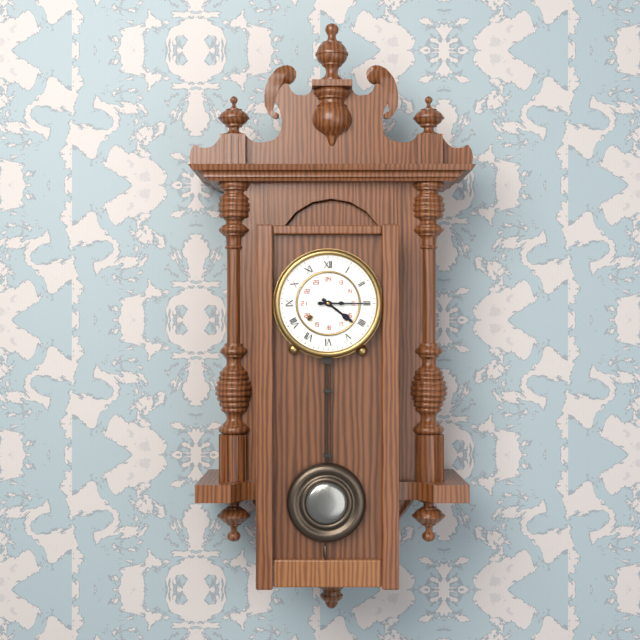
**4:15**
